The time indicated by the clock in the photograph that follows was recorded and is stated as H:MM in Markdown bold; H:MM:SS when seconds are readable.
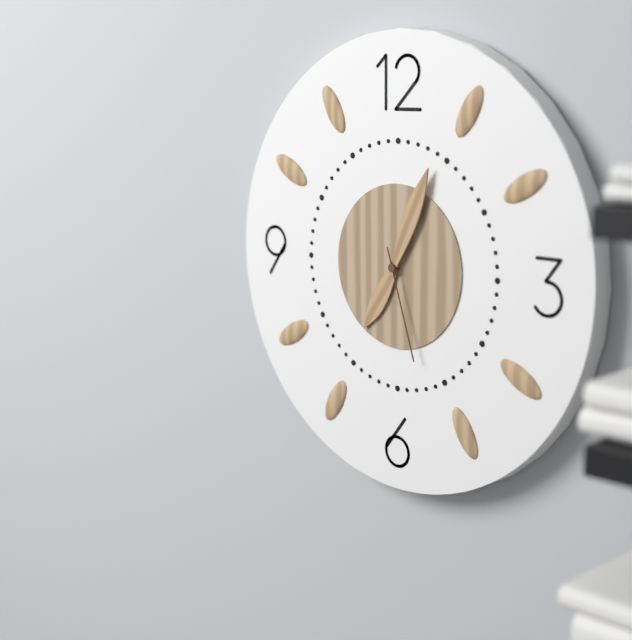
**7:04:27**
